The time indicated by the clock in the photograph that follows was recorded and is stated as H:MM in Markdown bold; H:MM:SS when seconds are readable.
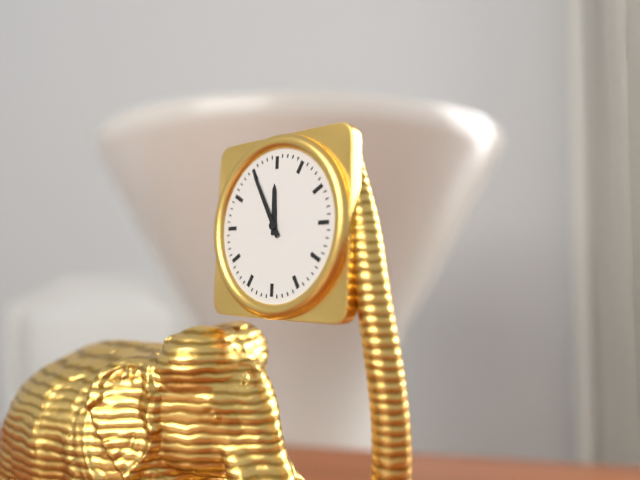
**11:55**
